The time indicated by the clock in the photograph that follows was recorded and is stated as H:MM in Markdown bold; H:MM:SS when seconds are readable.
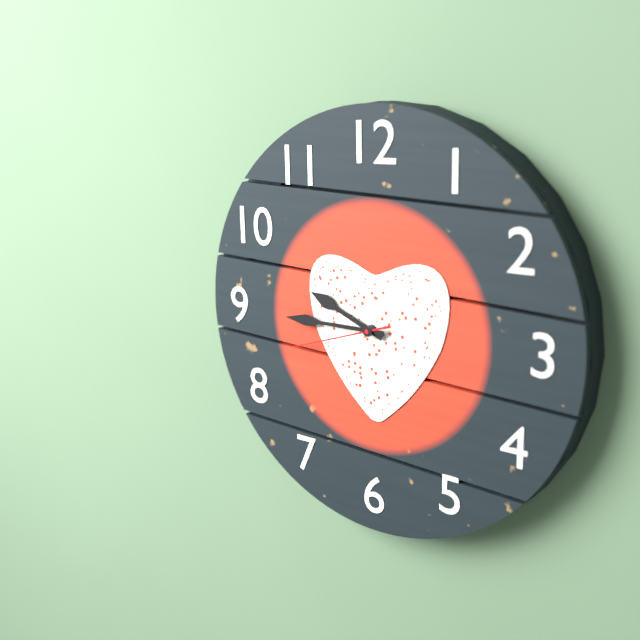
**9:45:42**
